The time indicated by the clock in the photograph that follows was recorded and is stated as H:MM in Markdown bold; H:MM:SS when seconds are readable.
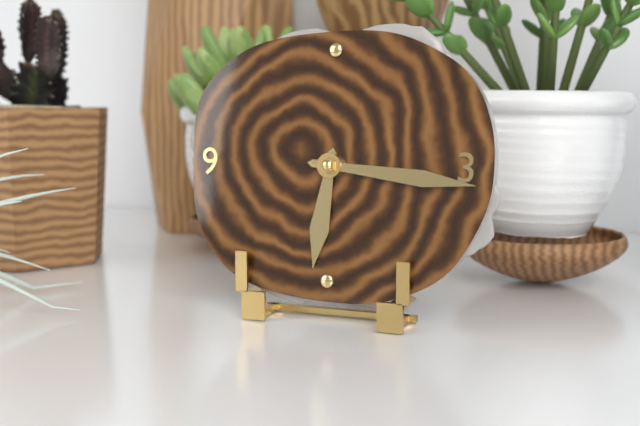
**6:16**
